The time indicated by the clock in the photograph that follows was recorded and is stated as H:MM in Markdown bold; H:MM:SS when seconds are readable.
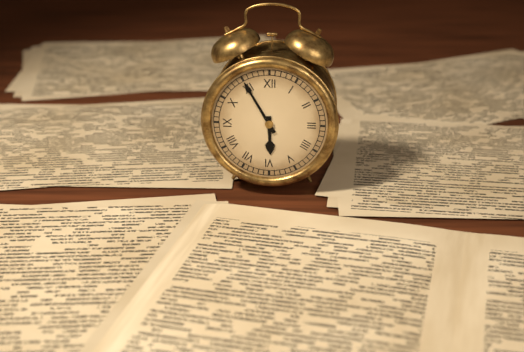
**5:55**
